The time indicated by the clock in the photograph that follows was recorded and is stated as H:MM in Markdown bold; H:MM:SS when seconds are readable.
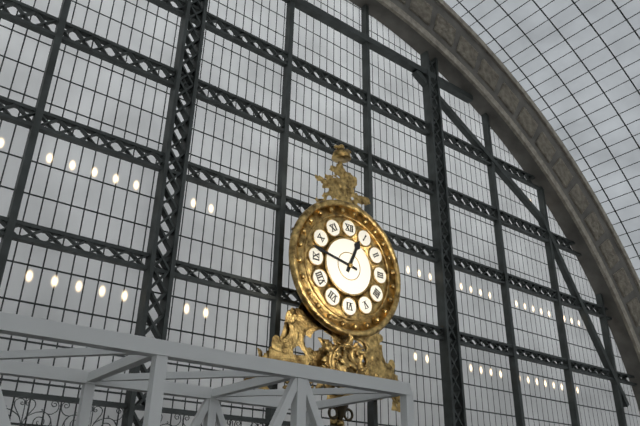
**12:47**
